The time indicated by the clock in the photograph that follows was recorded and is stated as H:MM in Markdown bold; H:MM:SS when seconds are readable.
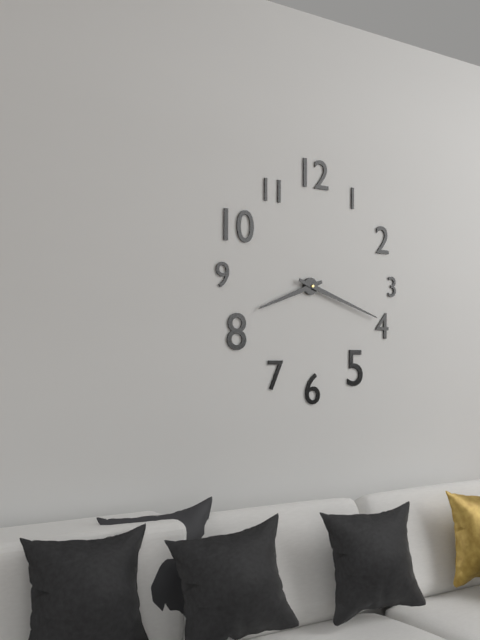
**8:18**
